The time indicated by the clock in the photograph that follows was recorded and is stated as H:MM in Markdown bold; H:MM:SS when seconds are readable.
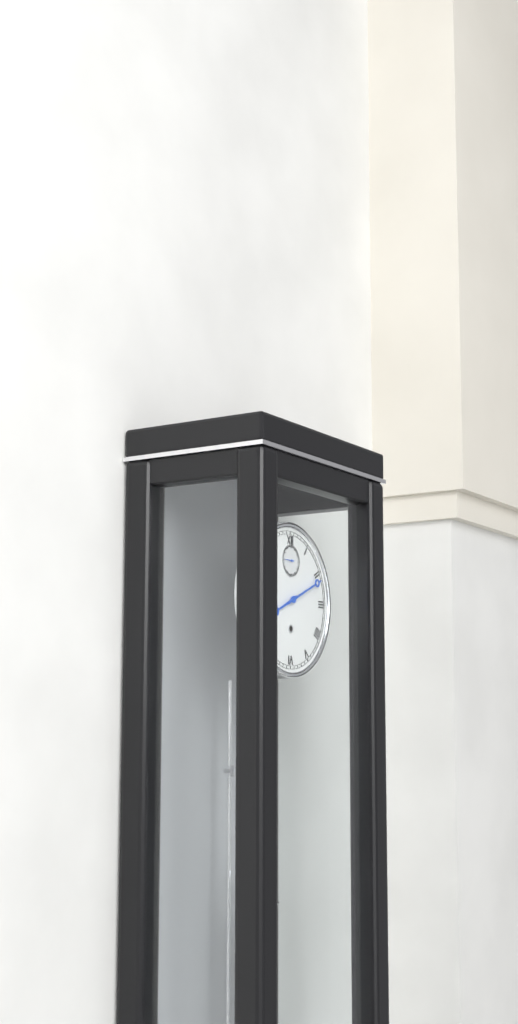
**8:11**
